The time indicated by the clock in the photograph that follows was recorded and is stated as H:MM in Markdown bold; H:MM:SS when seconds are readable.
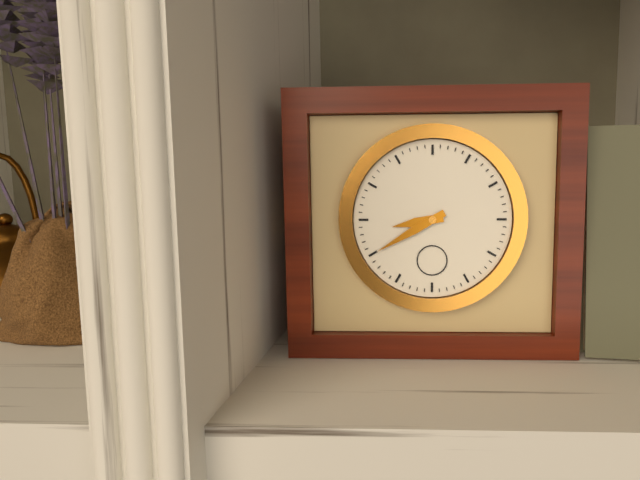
**8:40**
